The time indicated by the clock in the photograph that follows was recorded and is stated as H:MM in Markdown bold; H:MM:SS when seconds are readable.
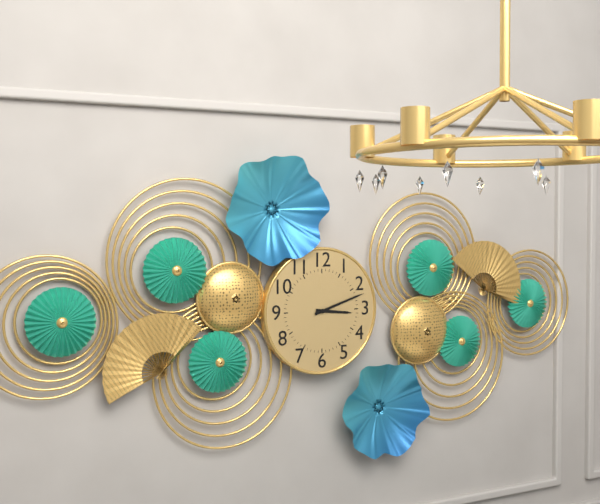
**3:12**
